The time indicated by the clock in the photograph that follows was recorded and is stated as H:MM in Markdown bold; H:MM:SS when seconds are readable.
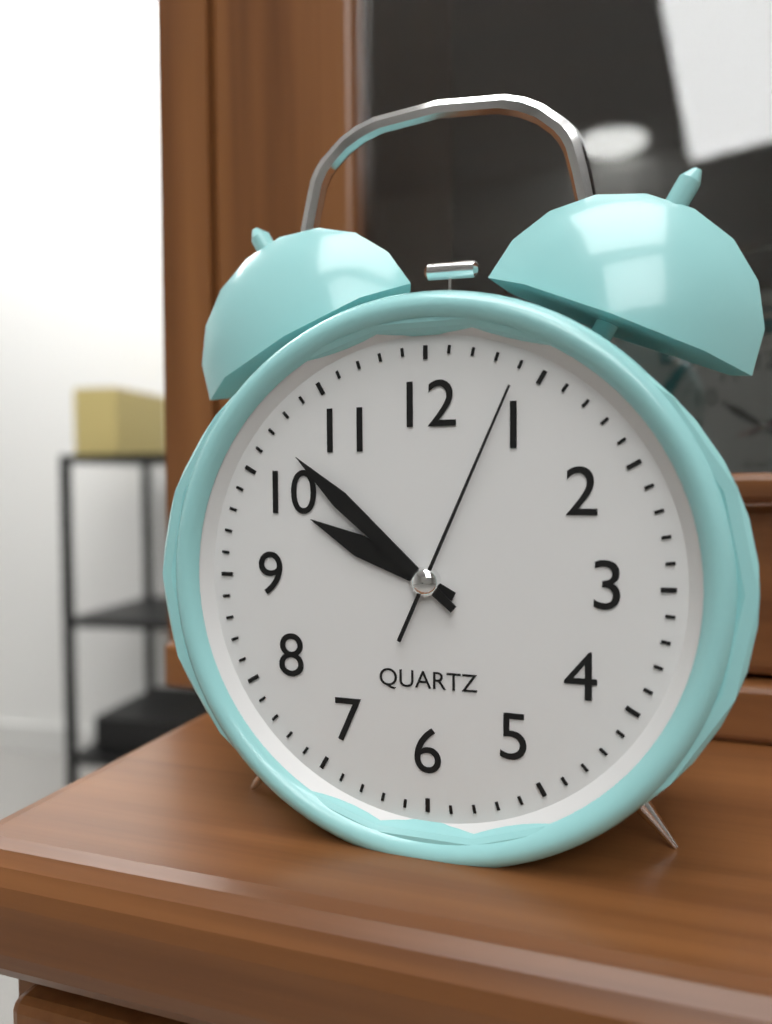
**9:52:04**
